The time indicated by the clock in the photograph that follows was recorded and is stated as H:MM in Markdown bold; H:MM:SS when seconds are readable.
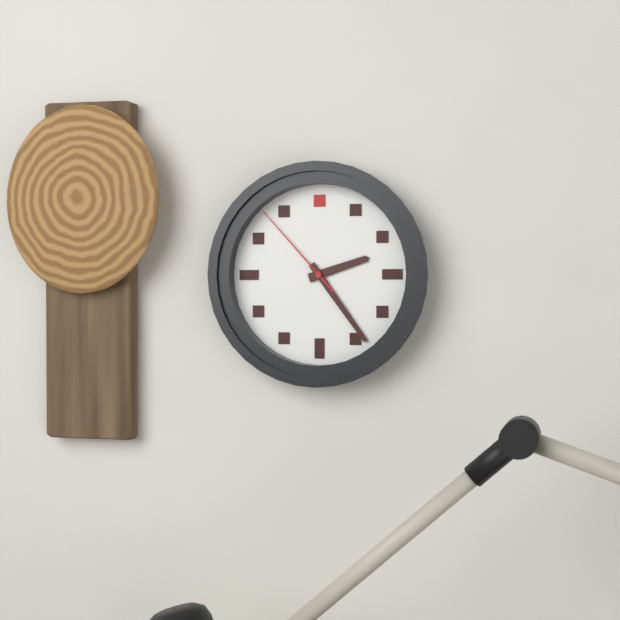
**2:24:53**
